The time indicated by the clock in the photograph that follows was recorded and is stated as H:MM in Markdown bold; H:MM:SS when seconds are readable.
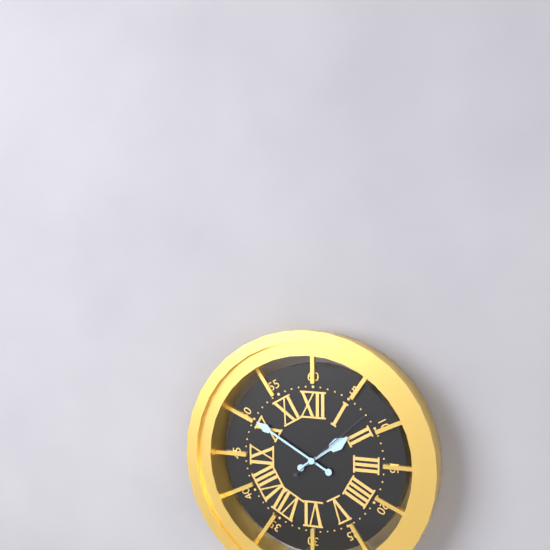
**1:50:08**
